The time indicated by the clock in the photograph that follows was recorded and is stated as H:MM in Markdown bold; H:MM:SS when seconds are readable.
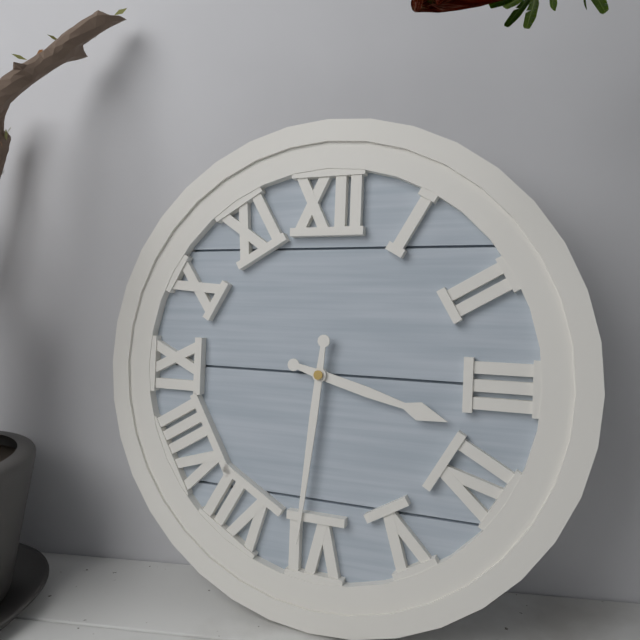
**3:31**
